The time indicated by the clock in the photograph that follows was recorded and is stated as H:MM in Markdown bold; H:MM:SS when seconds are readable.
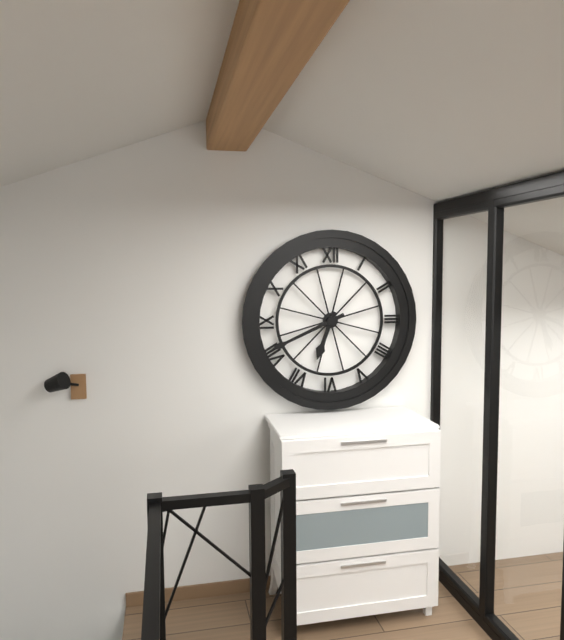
**6:41**
